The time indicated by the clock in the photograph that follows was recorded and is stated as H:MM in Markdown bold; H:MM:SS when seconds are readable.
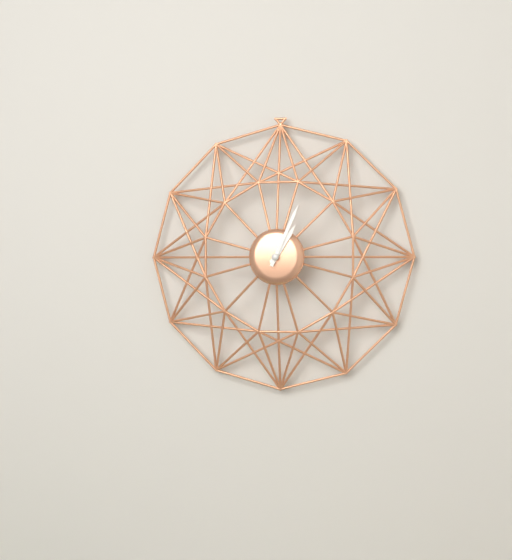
**1:04**
